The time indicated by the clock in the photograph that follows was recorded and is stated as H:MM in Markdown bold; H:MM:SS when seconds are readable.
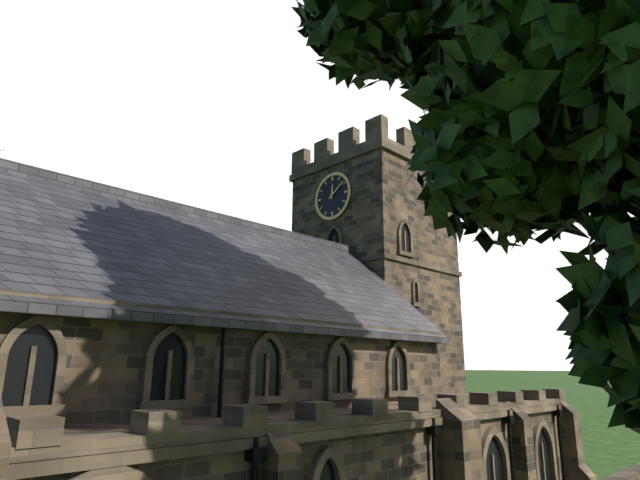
**12:09**
